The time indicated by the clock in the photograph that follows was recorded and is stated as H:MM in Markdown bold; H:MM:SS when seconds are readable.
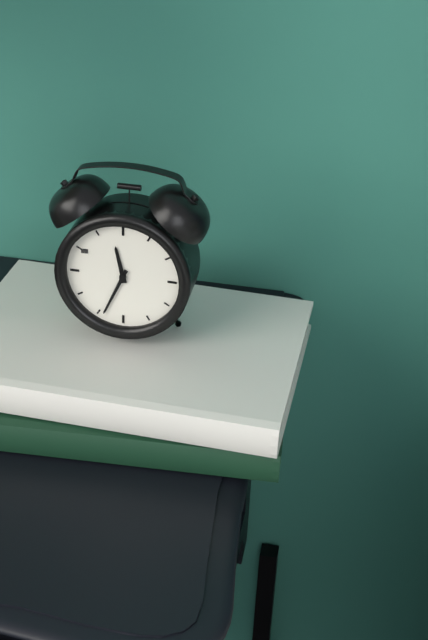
**11:34**
